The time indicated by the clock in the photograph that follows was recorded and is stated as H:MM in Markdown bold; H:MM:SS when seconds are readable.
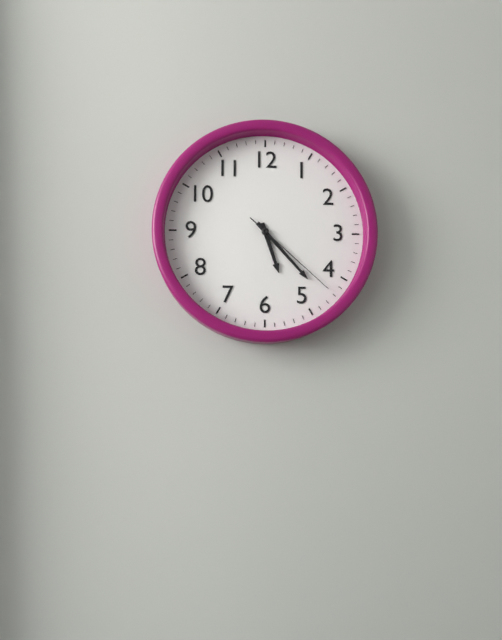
**5:23:22**
